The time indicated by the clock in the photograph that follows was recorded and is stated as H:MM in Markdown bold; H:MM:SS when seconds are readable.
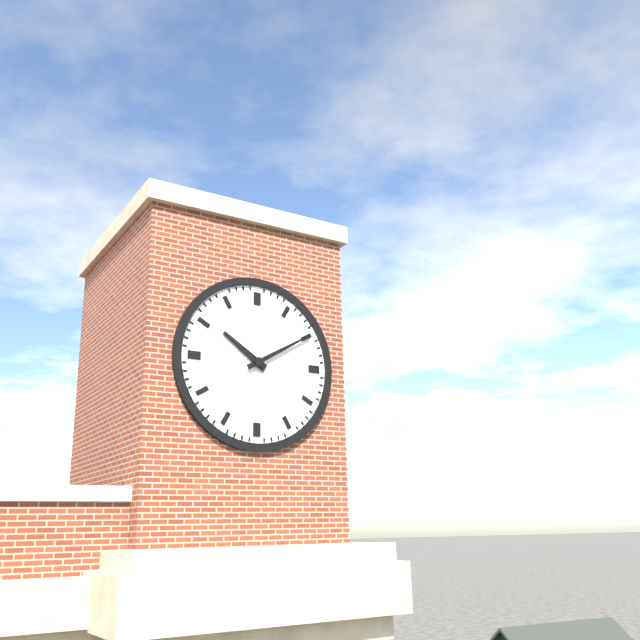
**10:10**
